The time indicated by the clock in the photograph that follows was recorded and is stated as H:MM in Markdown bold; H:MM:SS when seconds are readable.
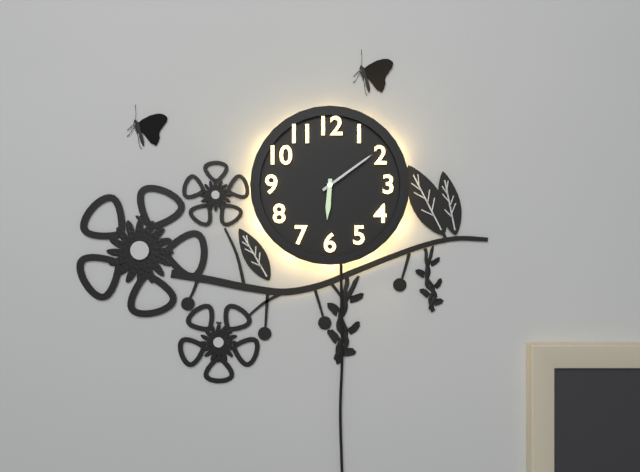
**6:09**
